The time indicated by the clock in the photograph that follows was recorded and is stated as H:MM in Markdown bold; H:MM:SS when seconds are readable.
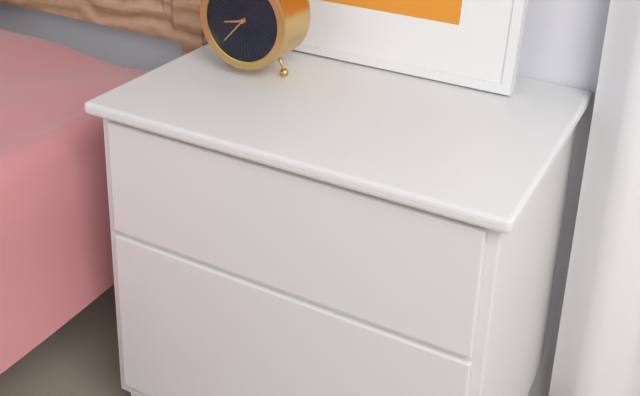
**8:37**
